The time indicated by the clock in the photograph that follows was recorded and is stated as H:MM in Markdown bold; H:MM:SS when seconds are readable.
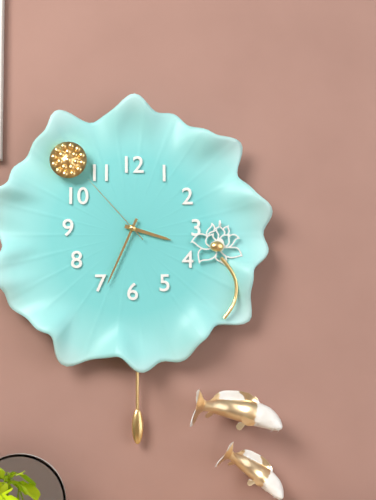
**3:34:53**
